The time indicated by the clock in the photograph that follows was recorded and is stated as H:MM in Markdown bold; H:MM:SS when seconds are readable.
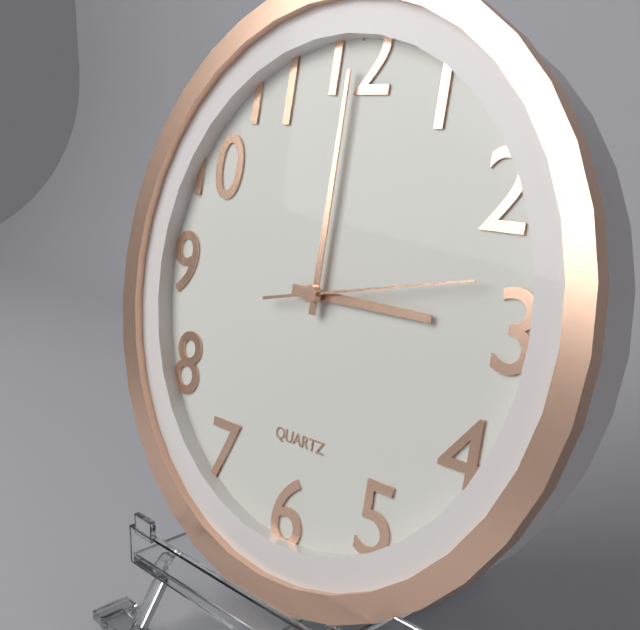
**3:00:13**
